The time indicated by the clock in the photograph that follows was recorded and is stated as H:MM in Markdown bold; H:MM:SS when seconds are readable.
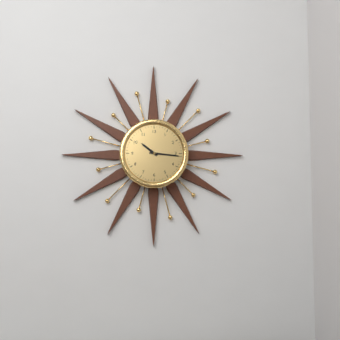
**10:16**
